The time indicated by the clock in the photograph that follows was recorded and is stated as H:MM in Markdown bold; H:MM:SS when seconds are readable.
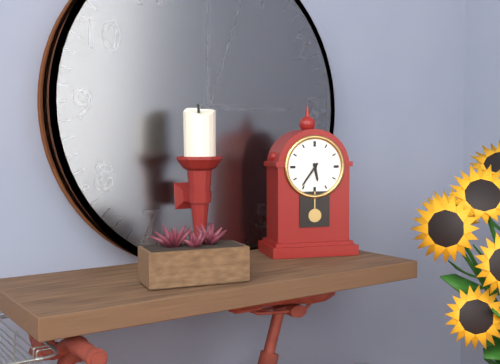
**5:36**
